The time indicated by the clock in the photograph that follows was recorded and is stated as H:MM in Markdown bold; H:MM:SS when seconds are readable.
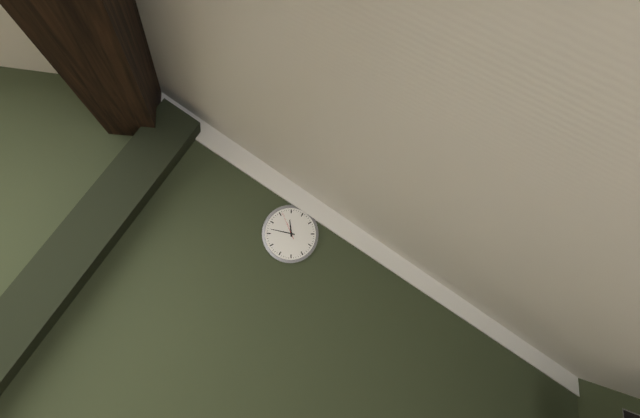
**11:47**
